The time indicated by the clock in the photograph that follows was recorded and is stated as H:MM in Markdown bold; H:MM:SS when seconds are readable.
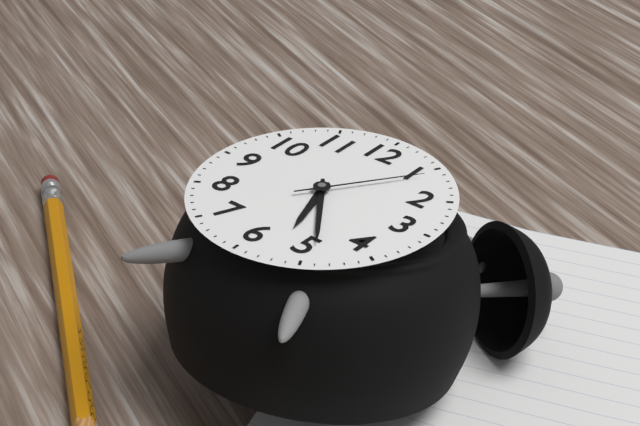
**5:24:06**
